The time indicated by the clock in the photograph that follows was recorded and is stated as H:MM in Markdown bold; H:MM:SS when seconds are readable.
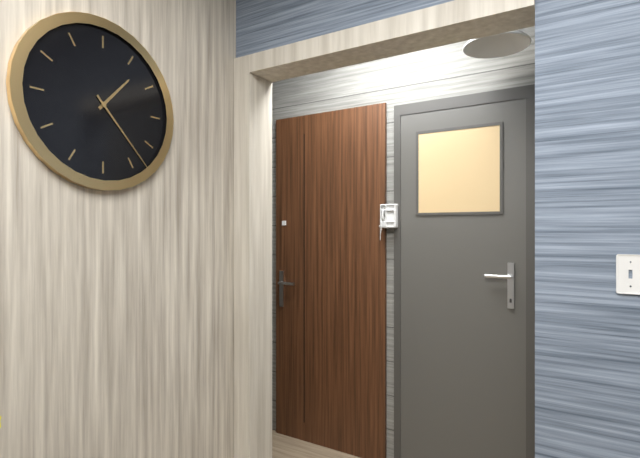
**1:23**
